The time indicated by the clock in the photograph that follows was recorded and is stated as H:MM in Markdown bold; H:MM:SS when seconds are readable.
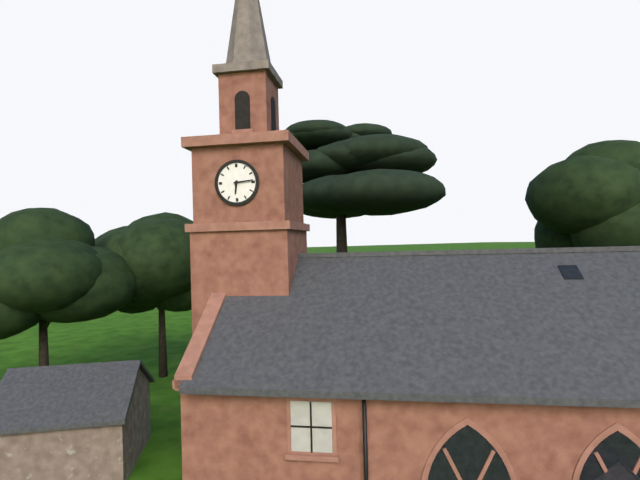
**6:14**
